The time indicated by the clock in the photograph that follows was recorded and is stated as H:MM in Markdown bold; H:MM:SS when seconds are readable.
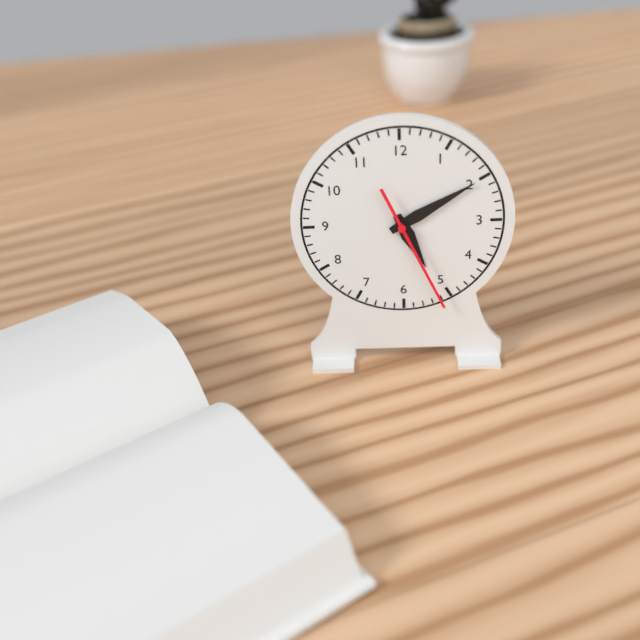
**5:10:26**
